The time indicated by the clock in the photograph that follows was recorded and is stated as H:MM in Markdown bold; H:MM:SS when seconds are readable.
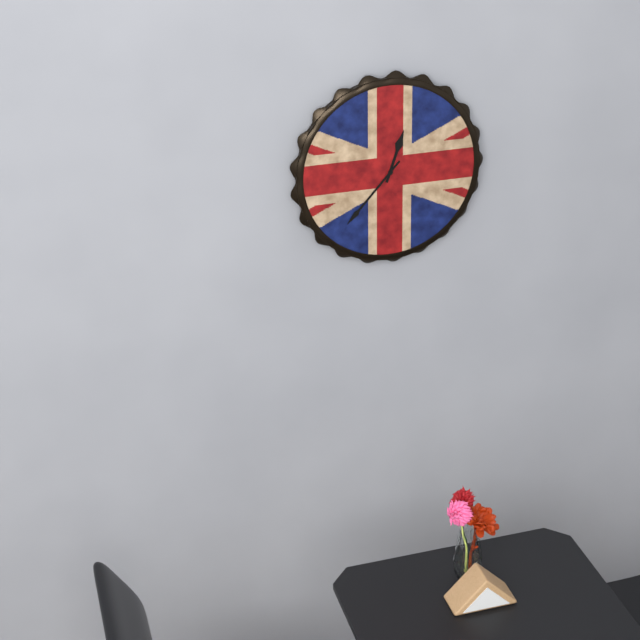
**12:37**
